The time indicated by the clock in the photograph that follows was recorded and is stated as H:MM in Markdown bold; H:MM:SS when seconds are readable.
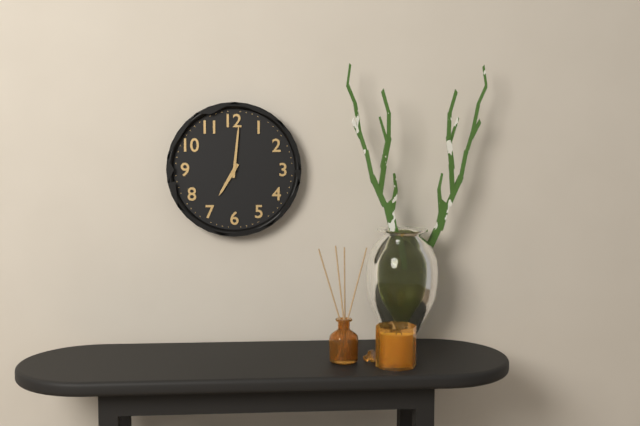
**7:01**
